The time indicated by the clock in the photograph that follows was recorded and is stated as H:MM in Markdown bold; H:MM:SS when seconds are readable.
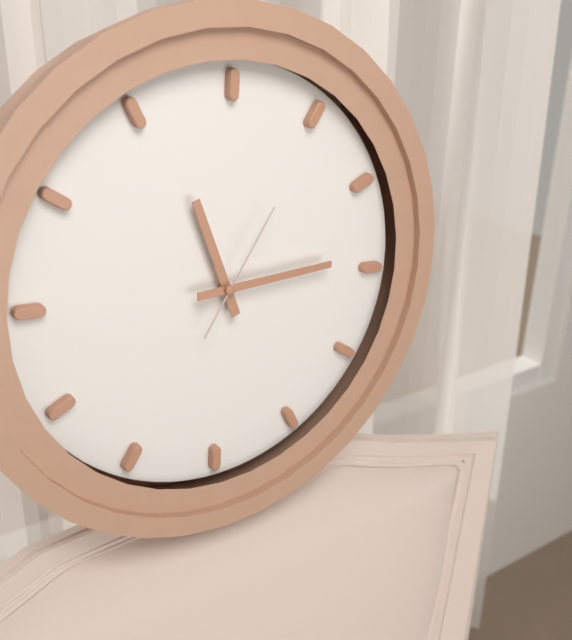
**11:14:05**
